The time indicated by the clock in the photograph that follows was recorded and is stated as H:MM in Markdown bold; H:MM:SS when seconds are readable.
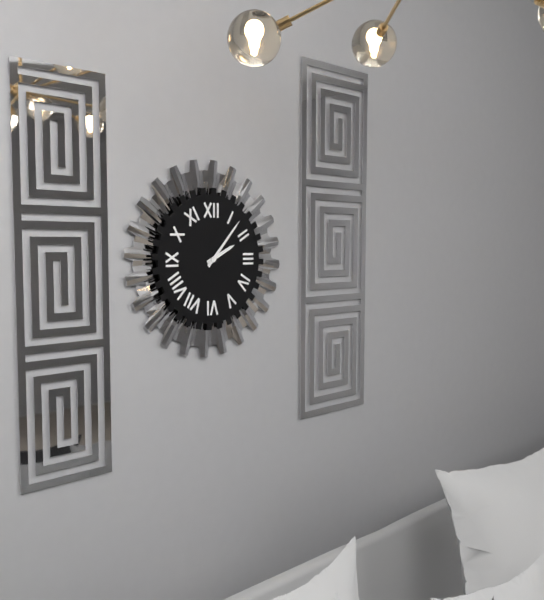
**2:07**
